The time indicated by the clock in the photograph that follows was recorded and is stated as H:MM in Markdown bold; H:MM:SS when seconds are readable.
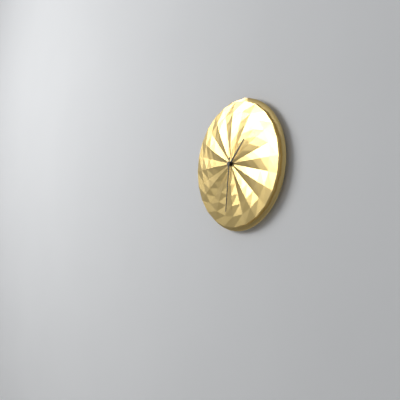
**1:31**
